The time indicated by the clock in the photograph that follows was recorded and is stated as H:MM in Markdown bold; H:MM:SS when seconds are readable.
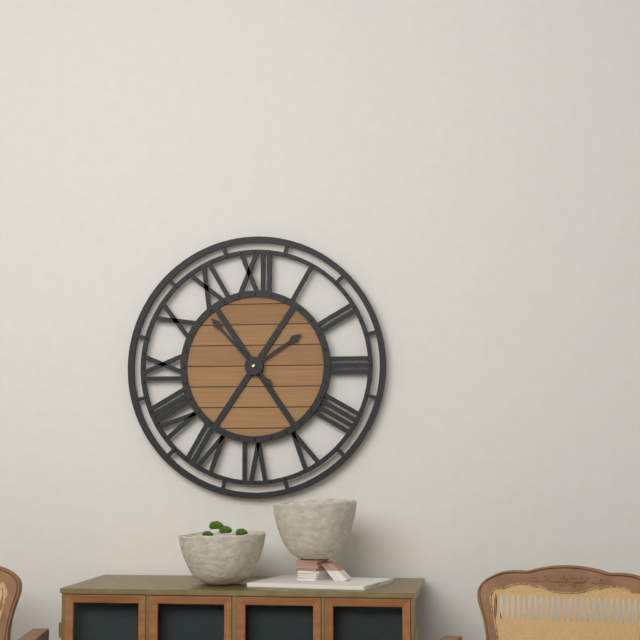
**1:53**
